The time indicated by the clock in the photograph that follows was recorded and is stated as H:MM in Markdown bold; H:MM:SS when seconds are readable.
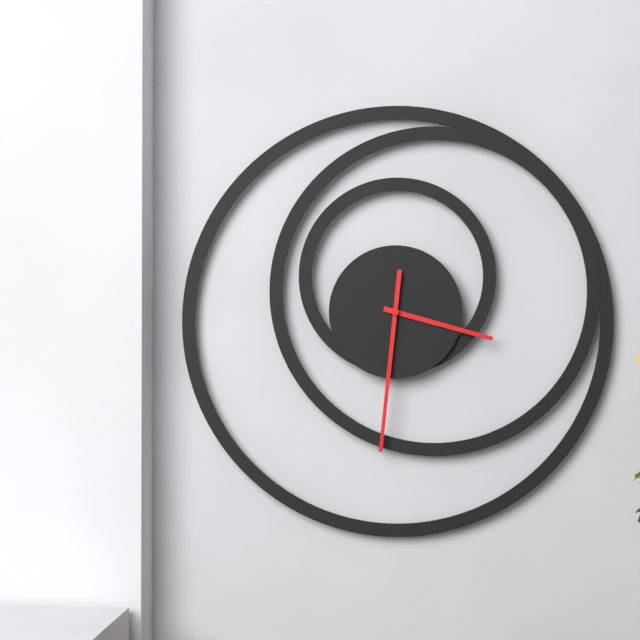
**3:31**
